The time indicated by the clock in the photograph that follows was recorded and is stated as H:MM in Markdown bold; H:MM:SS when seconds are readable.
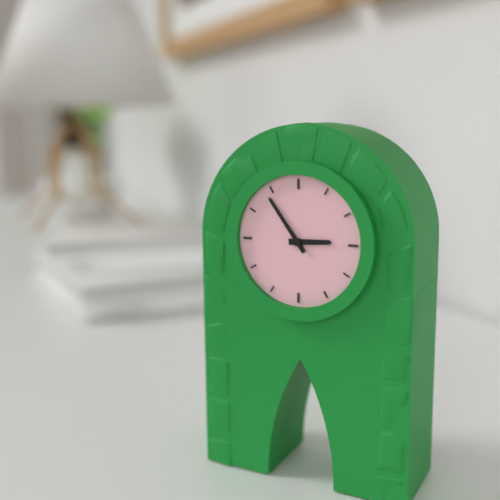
**2:54**
